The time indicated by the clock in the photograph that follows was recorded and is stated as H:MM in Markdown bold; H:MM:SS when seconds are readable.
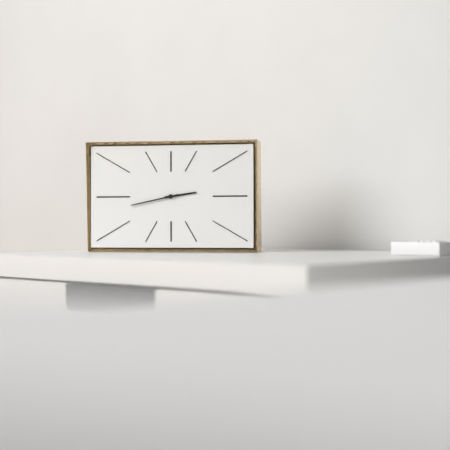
**2:43**
